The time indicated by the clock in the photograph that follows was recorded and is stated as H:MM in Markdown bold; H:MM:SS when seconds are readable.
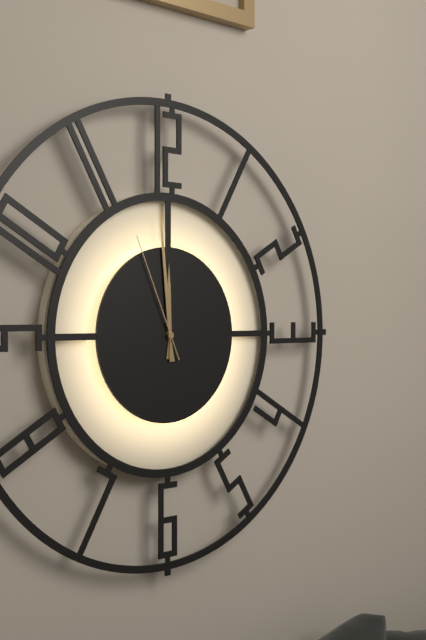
**11:59:56**
